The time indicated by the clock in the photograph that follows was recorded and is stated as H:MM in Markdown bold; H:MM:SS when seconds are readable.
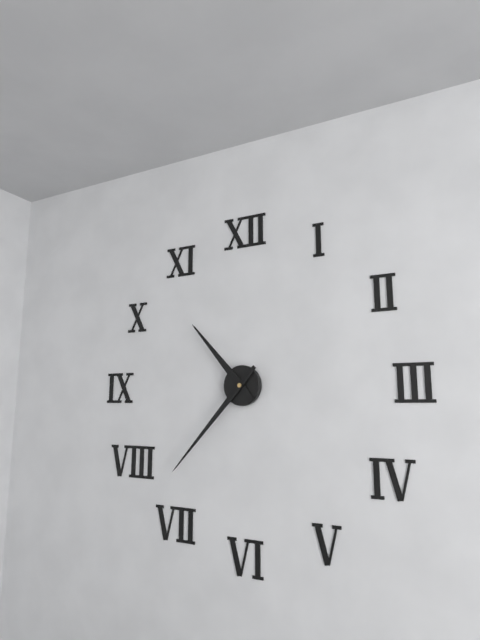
**10:37**
